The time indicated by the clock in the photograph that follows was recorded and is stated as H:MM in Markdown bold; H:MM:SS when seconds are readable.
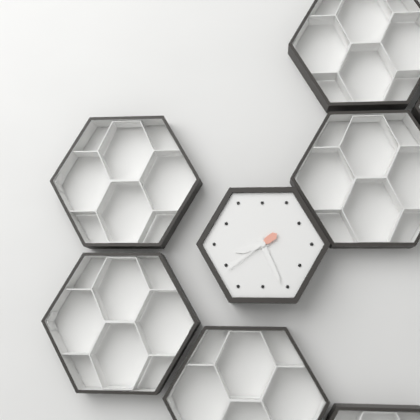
**8:26:39**
